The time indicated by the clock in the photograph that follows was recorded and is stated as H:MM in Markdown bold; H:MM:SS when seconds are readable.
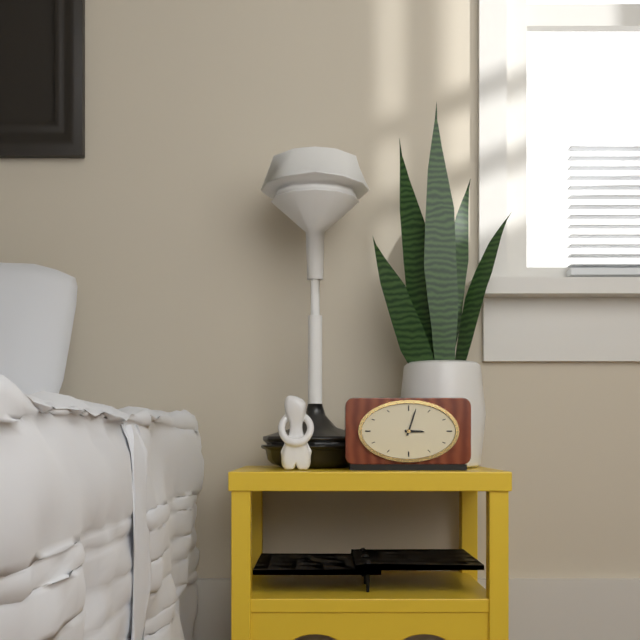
**3:03**
